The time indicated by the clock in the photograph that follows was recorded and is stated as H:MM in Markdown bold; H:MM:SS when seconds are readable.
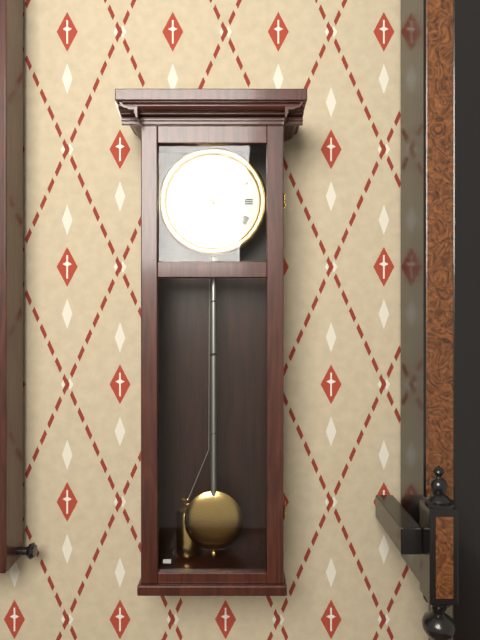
**9:57**
